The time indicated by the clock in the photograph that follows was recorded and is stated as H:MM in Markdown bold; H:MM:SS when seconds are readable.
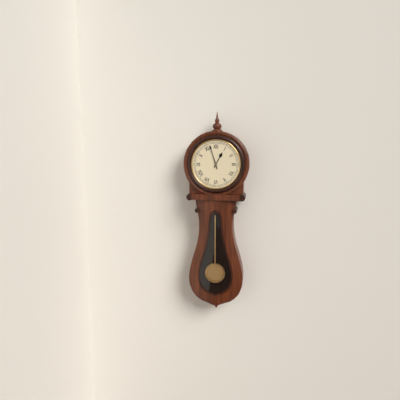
**12:57**
